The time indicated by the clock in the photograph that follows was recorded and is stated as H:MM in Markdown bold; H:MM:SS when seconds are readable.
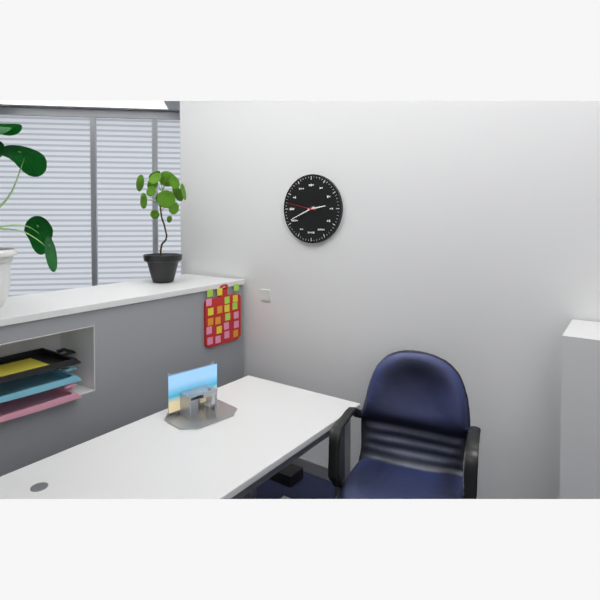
**2:41**
